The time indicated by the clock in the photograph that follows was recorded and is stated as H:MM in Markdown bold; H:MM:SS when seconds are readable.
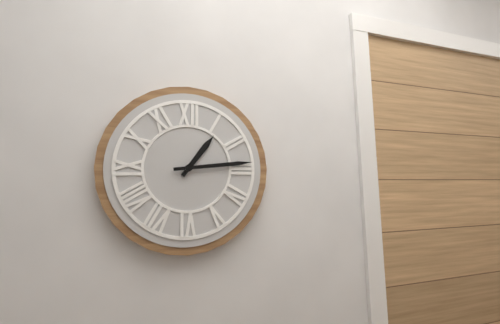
**1:14**
